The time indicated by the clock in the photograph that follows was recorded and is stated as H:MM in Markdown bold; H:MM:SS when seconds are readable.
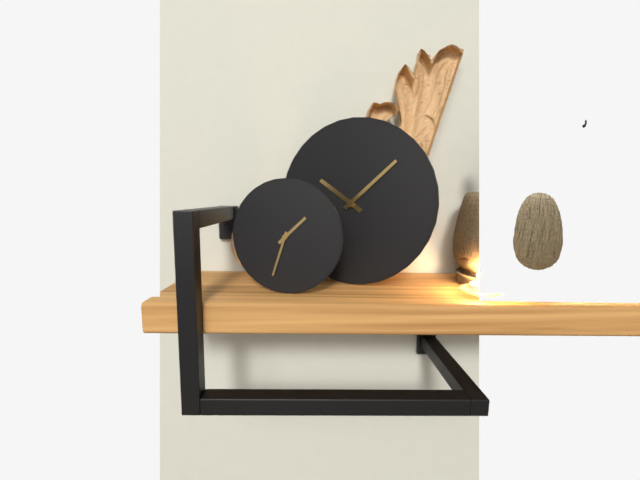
**1:33**
